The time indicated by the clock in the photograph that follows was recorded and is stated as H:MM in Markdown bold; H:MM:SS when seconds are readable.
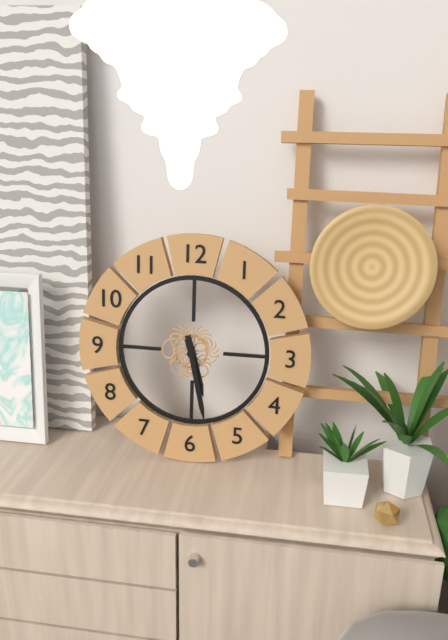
**5:28**
